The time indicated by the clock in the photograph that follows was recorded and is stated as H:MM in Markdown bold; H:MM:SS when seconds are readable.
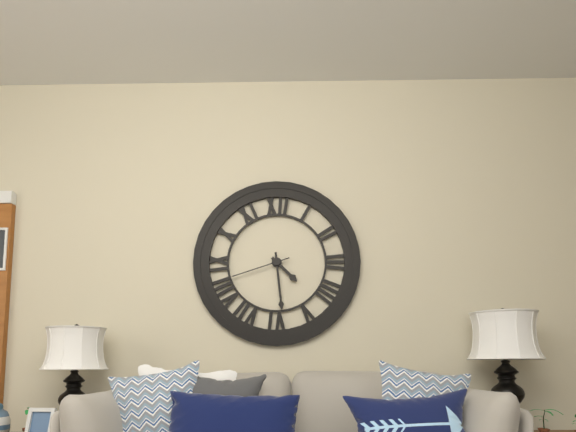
**4:29:42**
